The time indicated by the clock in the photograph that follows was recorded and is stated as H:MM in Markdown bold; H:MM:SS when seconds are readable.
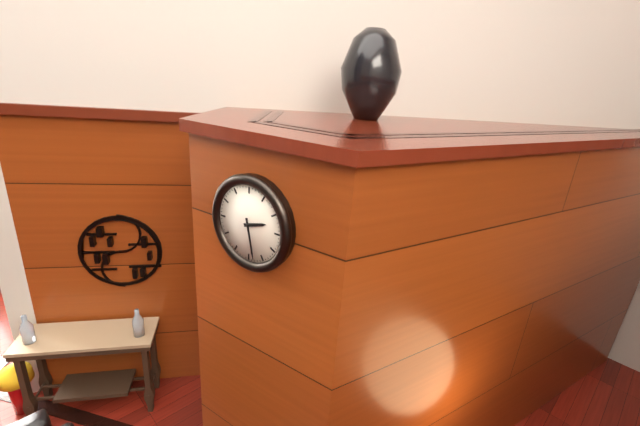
**2:28**
